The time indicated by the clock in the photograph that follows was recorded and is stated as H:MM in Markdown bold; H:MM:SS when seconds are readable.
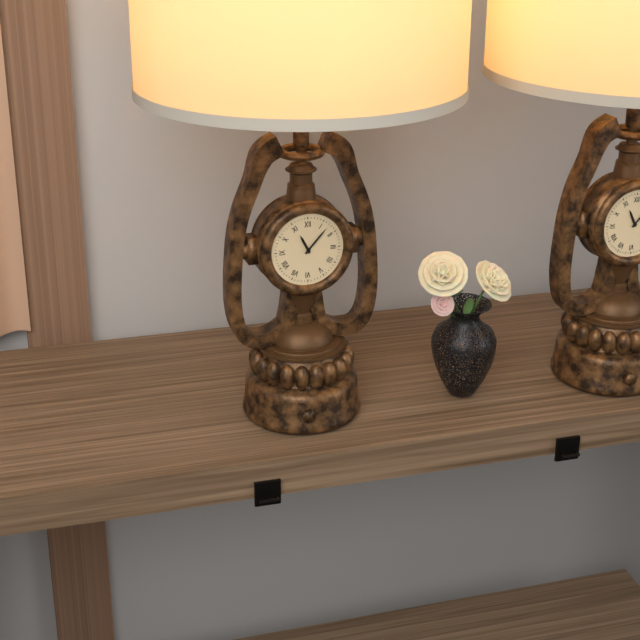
**11:07**
